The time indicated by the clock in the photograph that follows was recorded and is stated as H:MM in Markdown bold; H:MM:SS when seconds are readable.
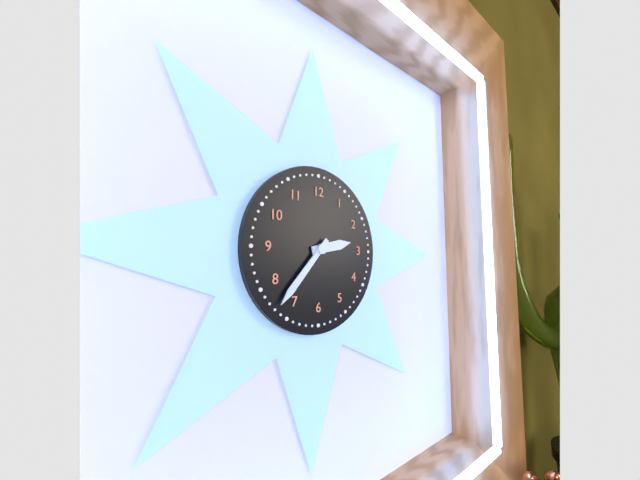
**2:37**
